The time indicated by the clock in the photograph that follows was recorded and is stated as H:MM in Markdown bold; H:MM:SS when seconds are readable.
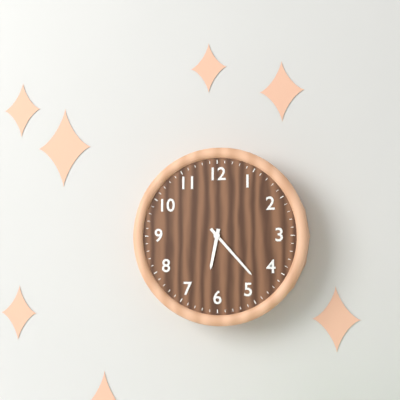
**6:23**
